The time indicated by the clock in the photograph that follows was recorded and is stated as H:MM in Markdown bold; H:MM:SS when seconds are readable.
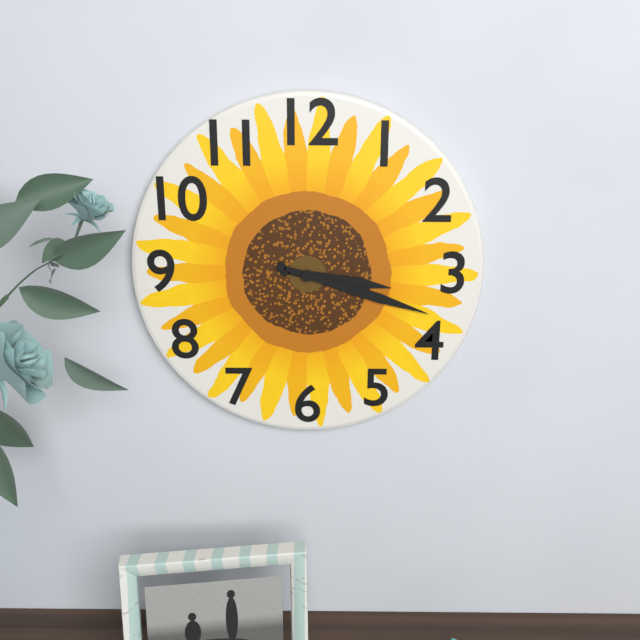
**3:18**
